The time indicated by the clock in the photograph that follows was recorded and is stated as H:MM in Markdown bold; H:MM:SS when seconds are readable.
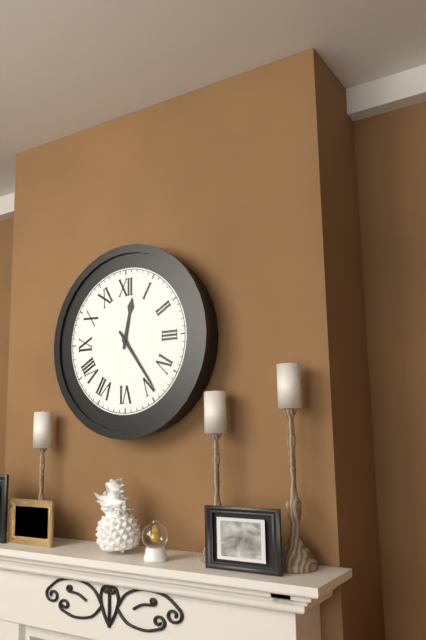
**12:24**
